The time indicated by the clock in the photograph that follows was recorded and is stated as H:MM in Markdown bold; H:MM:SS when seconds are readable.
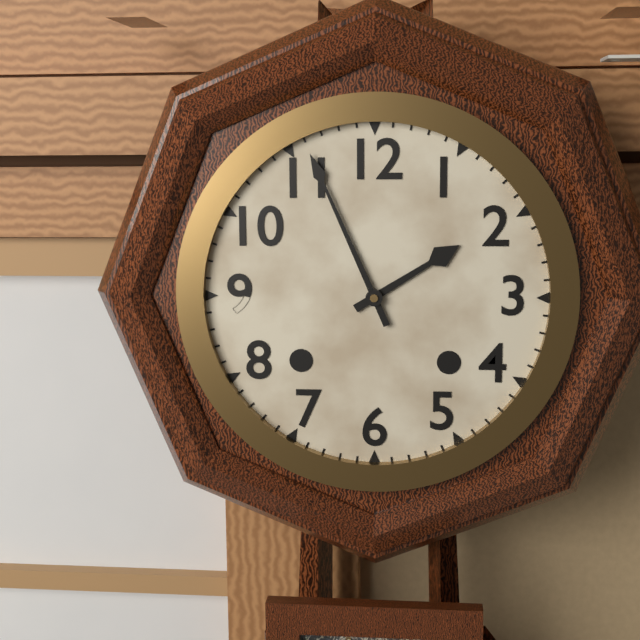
**1:56**
